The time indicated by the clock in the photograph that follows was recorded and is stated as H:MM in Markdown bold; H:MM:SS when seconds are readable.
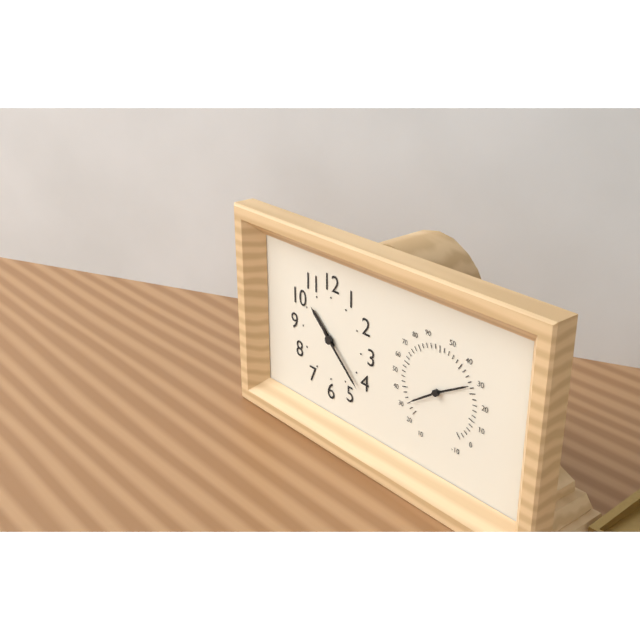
**10:22**
